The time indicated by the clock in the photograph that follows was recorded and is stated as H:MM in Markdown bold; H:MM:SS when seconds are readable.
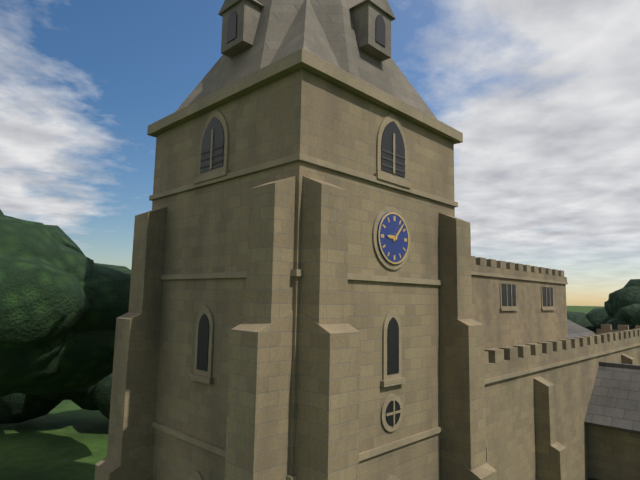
**9:07**
